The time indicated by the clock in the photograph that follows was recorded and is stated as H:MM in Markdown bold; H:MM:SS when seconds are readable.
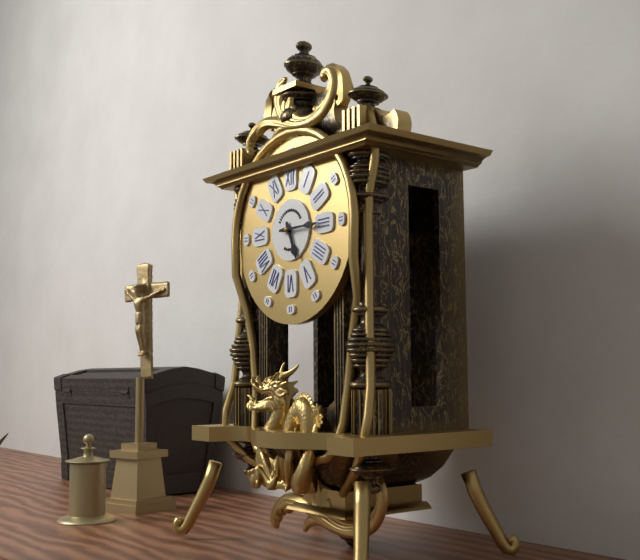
**5:15**
